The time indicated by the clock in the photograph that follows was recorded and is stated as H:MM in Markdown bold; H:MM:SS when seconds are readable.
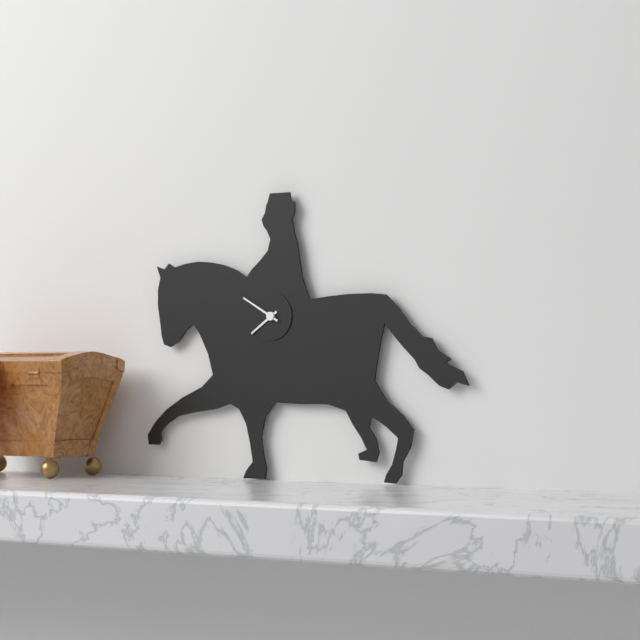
**7:50**
